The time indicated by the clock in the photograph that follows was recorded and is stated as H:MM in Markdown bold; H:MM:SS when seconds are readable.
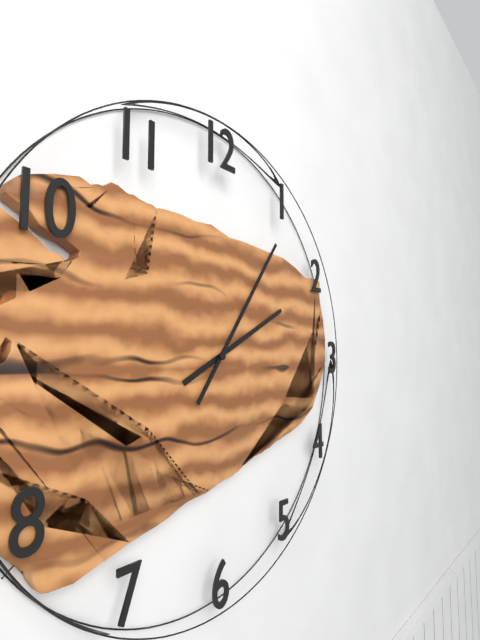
**2:06**
